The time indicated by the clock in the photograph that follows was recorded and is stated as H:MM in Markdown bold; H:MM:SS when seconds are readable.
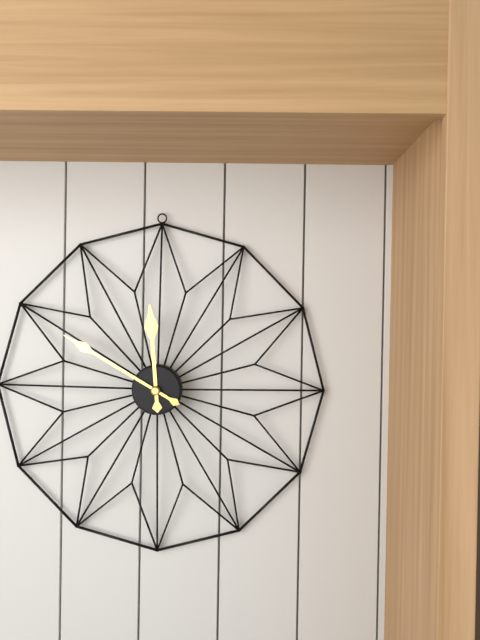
**11:50**
